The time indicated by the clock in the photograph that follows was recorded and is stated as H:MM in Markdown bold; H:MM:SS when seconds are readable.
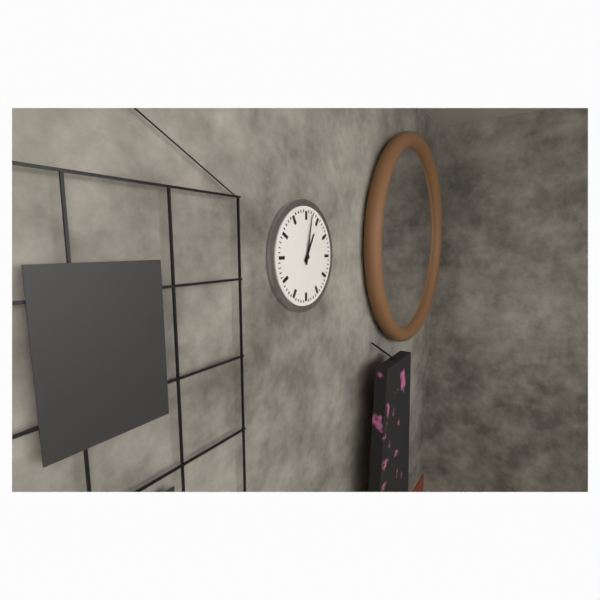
**1:02**
